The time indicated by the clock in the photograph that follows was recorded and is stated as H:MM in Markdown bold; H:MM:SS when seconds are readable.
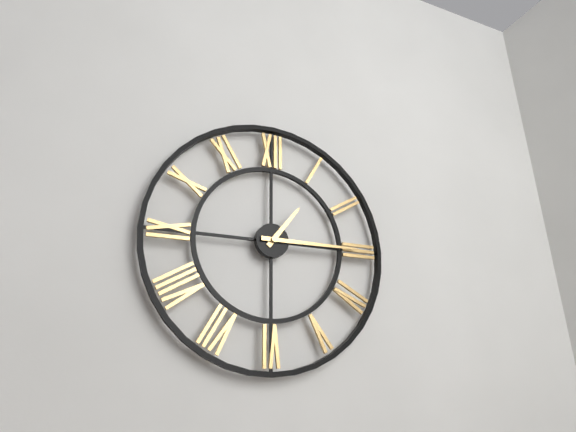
**1:15**
